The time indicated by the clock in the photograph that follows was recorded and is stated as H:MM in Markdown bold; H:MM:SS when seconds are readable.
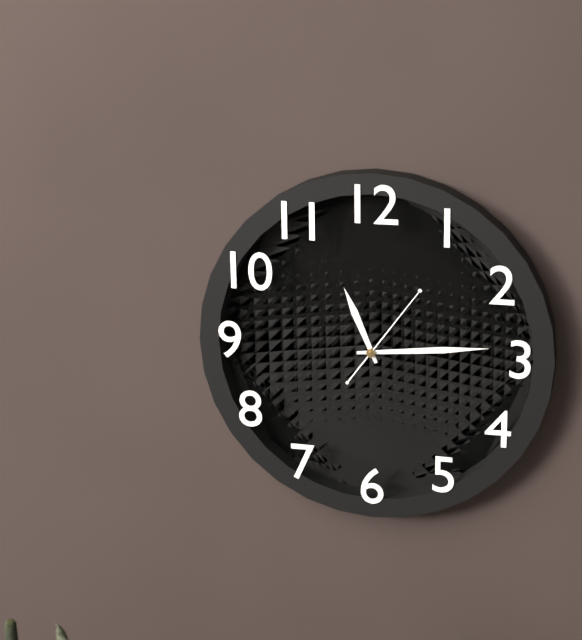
**11:14:06**
